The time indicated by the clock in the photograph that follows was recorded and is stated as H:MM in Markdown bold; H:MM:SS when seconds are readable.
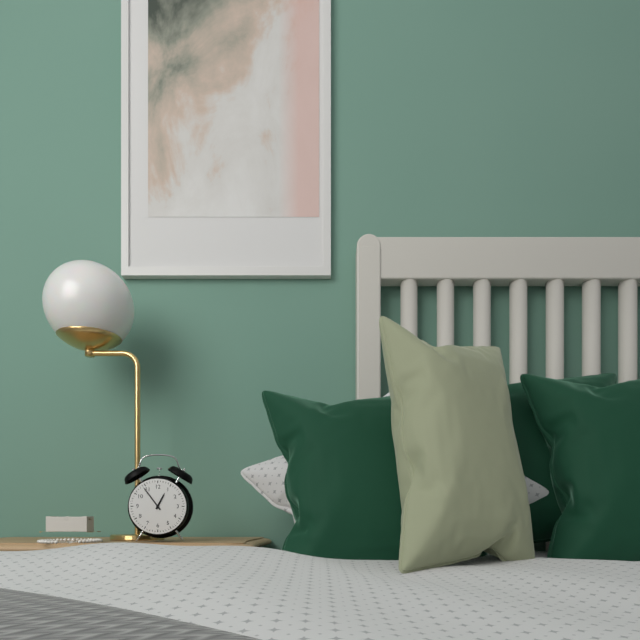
**12:54**
